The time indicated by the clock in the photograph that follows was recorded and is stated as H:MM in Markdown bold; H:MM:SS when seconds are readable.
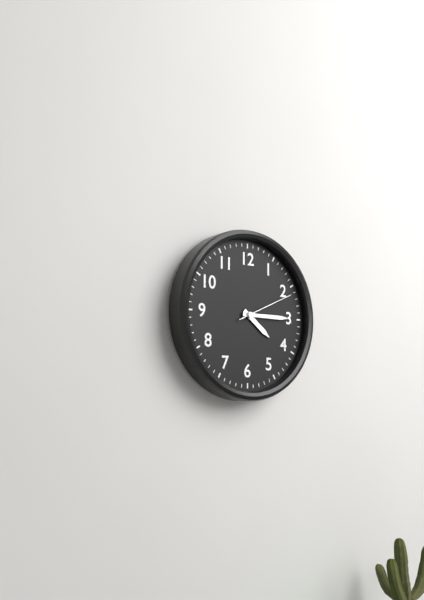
**4:15:11**
